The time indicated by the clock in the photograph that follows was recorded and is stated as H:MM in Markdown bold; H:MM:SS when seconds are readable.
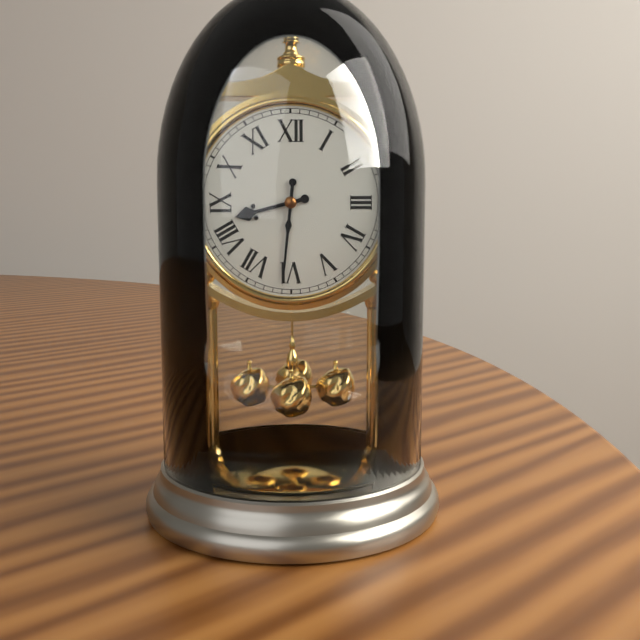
**8:31**
